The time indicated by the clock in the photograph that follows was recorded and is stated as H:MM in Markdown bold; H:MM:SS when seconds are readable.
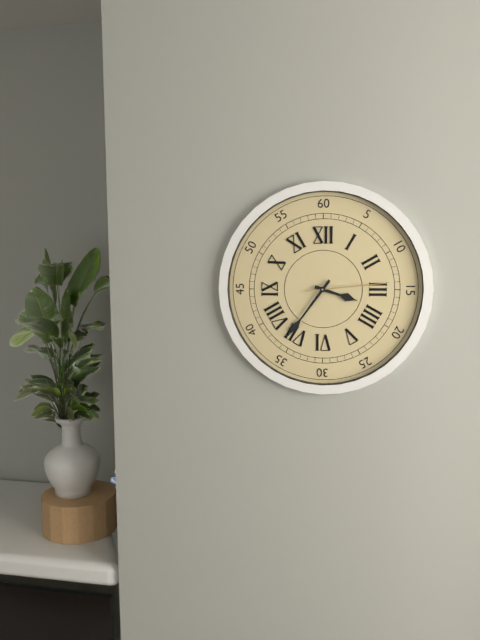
**3:36:14**
